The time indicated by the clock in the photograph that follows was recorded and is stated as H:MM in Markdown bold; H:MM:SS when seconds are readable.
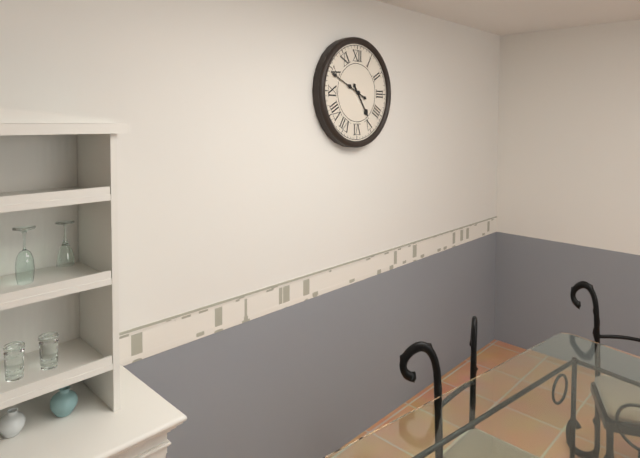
**4:49**
